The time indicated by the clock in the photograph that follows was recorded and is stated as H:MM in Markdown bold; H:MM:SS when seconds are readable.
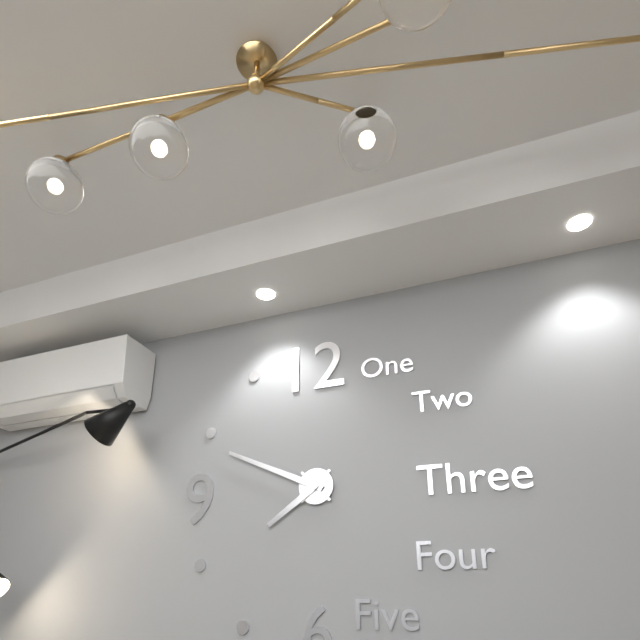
**7:49**
